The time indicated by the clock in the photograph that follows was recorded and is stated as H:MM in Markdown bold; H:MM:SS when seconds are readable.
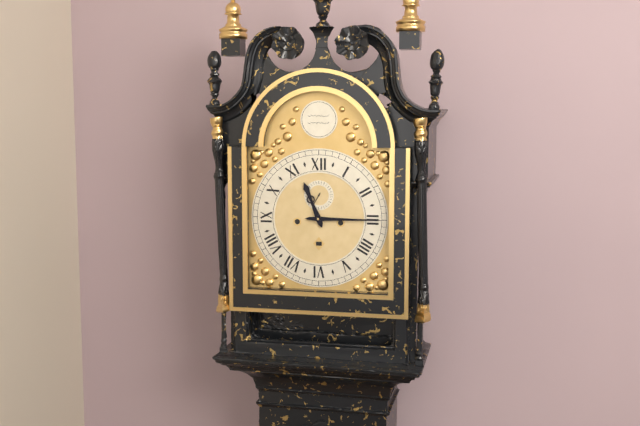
**11:15**
